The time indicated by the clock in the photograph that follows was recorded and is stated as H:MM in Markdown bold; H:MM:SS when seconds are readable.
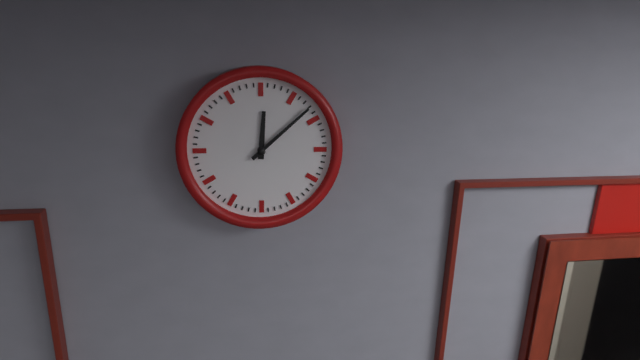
**12:08**
